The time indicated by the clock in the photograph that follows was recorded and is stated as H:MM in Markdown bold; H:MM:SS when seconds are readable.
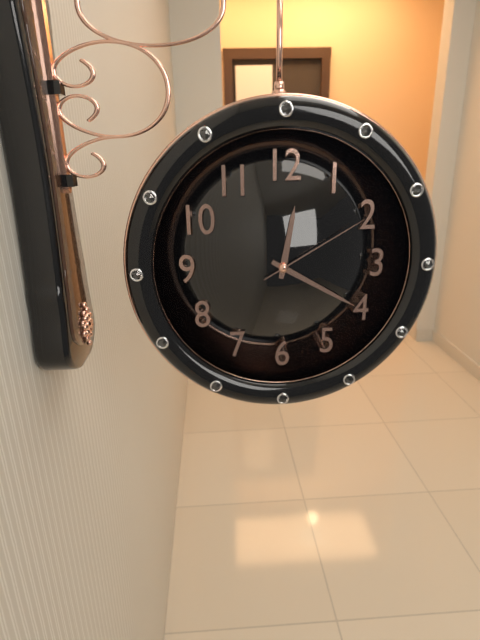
**12:20:10**
